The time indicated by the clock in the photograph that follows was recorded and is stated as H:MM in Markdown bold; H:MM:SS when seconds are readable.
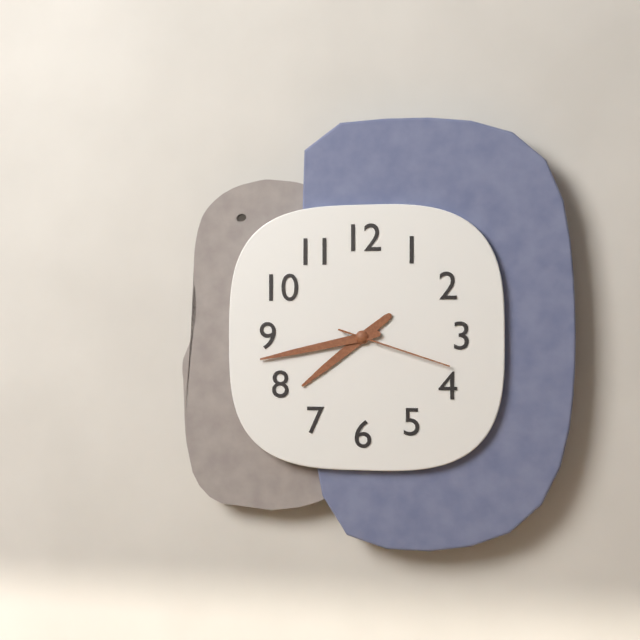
**7:43:18**
